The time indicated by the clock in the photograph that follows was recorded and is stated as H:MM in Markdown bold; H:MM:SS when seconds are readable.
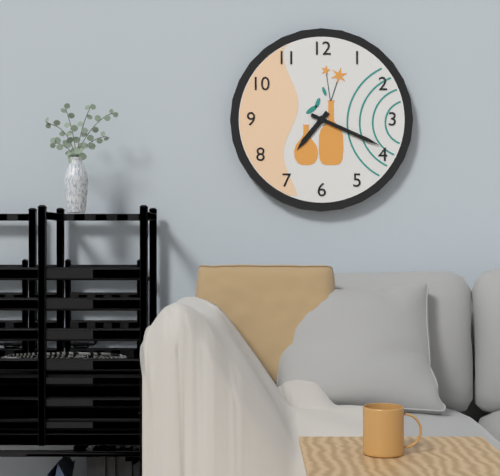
**7:19**
